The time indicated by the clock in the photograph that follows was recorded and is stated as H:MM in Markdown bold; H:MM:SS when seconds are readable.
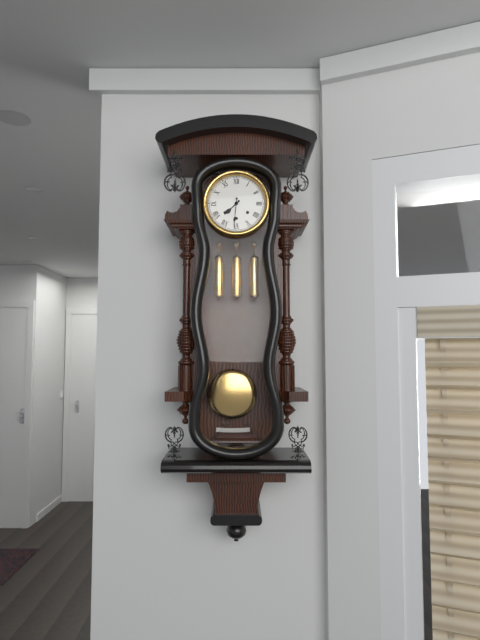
**7:31**
